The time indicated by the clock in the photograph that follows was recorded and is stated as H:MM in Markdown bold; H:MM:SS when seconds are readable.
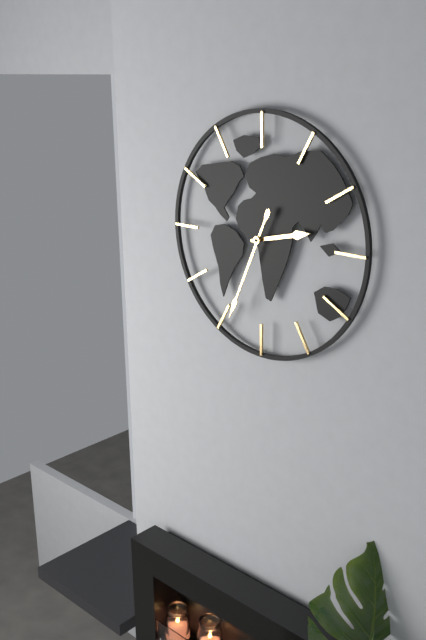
**2:34**
